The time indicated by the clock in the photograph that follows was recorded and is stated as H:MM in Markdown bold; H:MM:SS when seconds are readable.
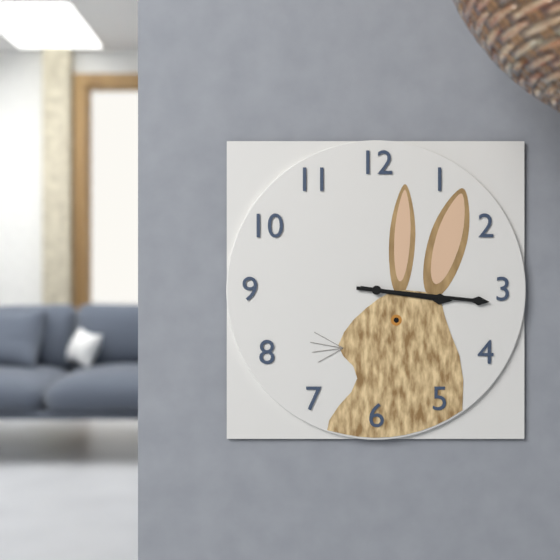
**3:16**
